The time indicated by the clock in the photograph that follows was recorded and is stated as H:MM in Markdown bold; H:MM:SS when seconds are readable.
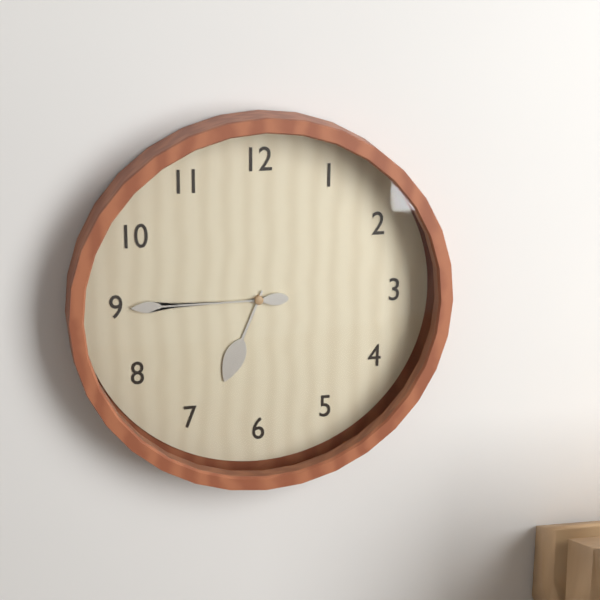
**6:45**
